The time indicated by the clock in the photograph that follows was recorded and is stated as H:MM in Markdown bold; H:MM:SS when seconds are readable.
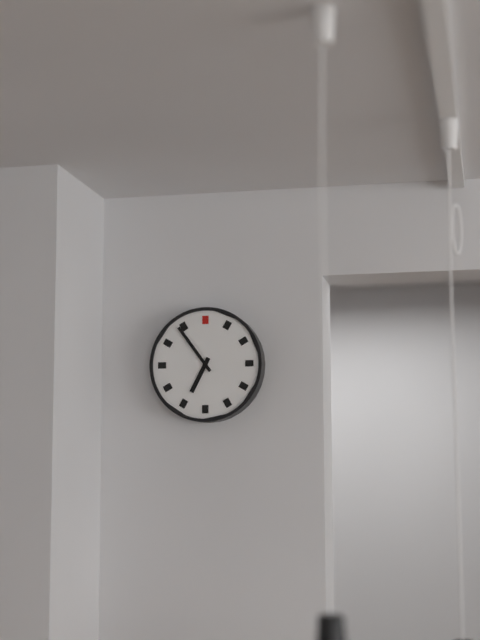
**6:54**
